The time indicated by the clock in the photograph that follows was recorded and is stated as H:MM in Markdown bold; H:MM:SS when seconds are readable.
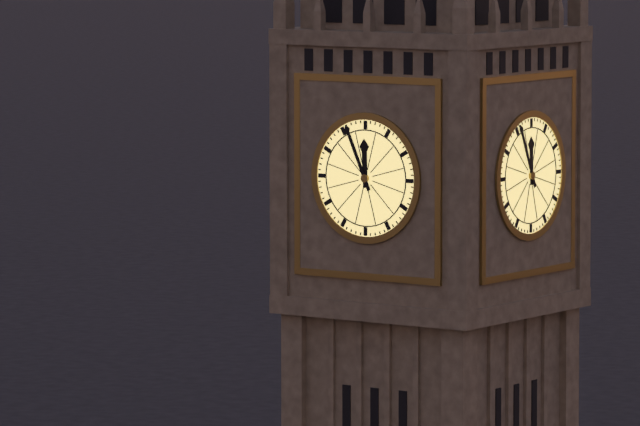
**11:56**
